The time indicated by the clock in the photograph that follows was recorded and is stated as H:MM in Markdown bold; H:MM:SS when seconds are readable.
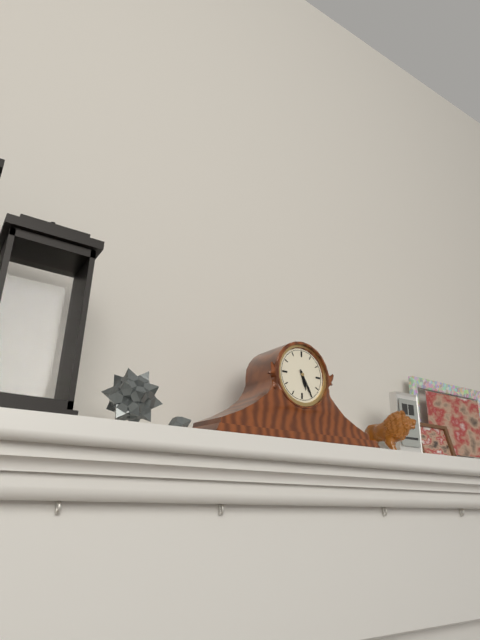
**5:25**
